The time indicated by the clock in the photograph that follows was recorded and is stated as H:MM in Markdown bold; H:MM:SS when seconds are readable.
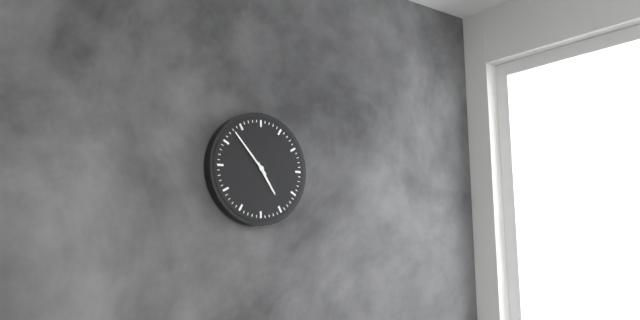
**4:53**
